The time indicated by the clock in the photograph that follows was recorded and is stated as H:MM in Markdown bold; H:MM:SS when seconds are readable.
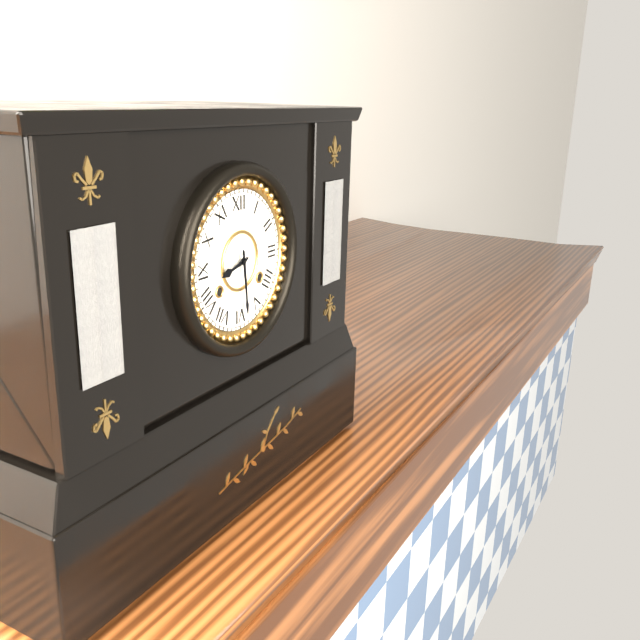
**8:29**
